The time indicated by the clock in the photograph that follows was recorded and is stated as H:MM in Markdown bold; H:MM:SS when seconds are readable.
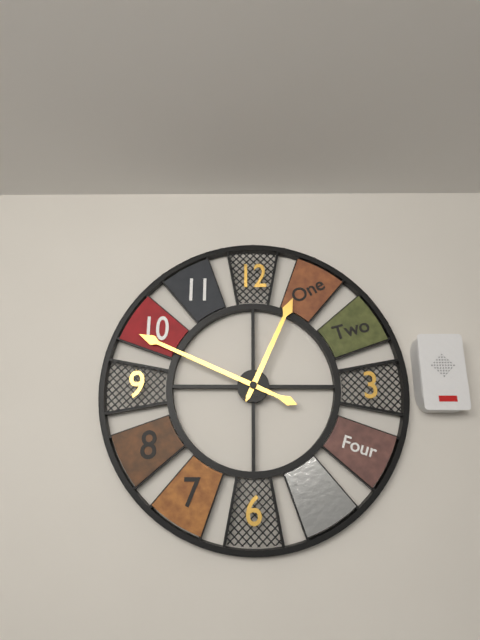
**12:49**
